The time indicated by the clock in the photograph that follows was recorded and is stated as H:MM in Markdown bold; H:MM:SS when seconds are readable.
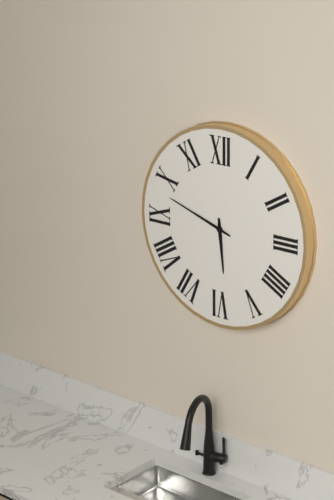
**5:48**
